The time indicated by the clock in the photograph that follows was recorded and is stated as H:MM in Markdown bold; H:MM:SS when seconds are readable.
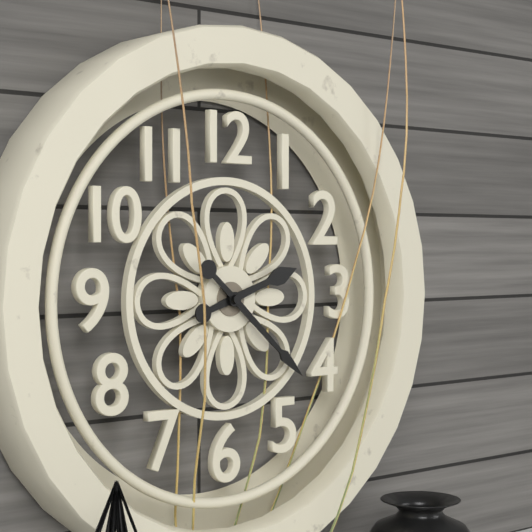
**2:22**
